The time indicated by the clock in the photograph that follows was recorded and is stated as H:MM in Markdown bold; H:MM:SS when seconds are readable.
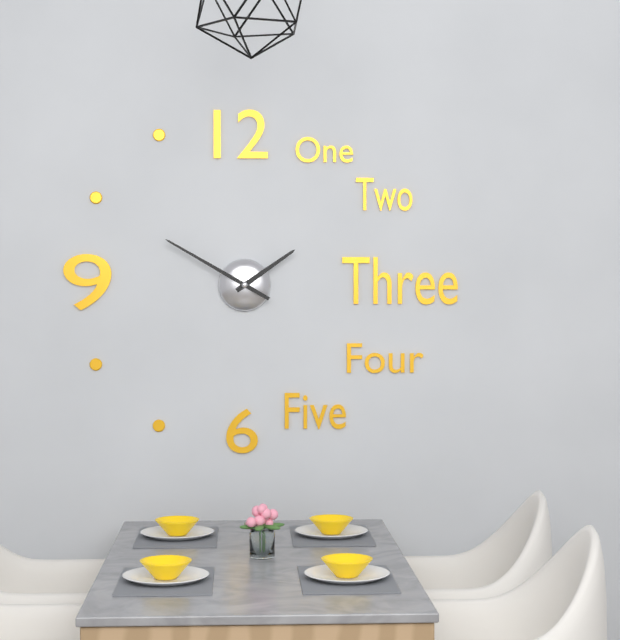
**1:50**
